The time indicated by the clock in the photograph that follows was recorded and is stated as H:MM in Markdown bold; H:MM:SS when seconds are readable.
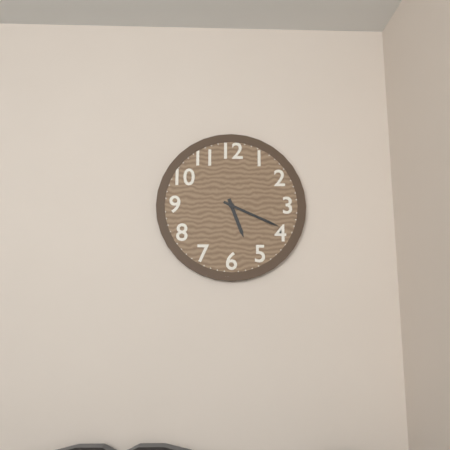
**5:19**
